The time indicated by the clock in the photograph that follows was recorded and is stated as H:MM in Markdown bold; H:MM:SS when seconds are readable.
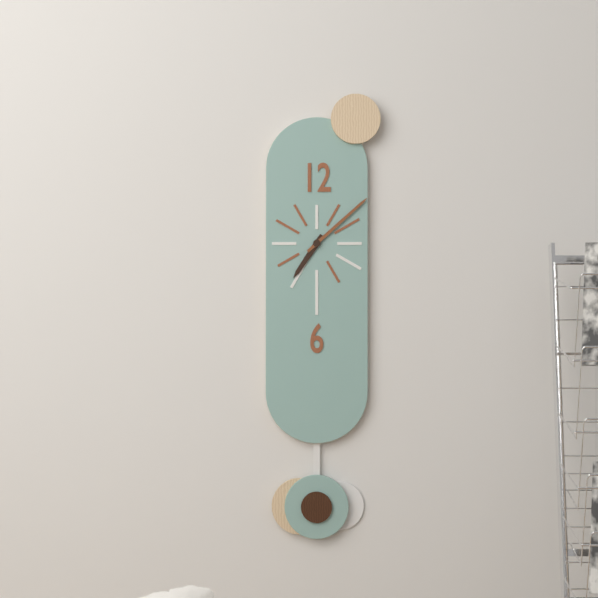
**7:08**
